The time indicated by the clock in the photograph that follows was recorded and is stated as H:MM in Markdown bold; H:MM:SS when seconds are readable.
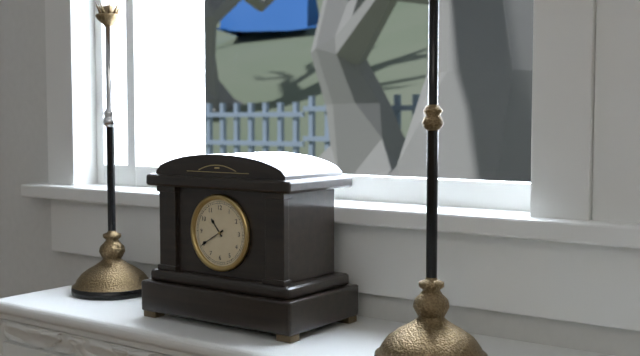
**10:40**
